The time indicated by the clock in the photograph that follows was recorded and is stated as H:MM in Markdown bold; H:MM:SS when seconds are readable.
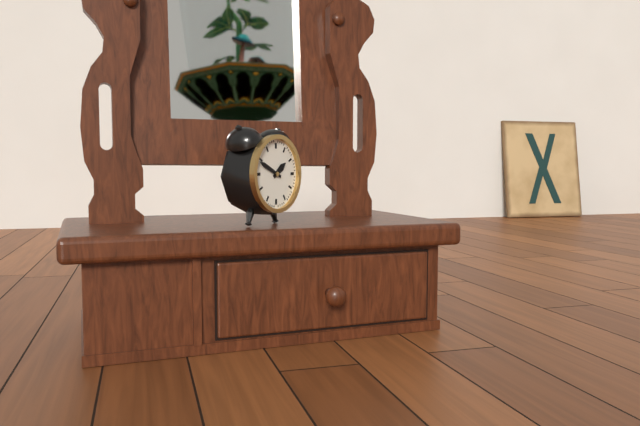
**1:49**
